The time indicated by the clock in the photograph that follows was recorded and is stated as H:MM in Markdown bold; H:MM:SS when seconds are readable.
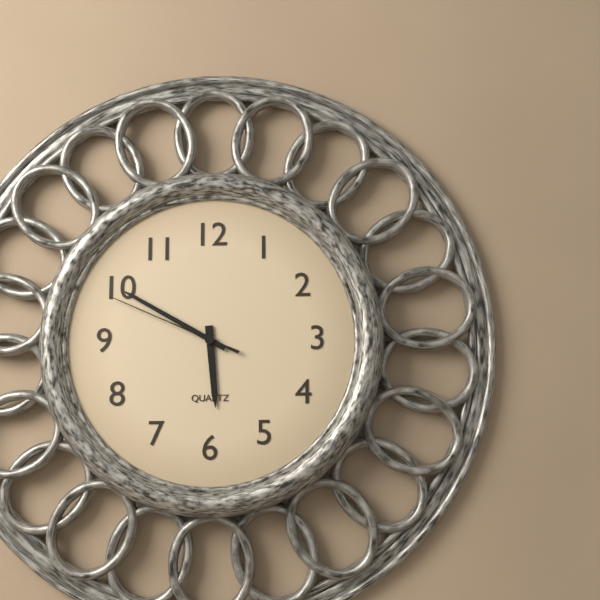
**5:50:49**
